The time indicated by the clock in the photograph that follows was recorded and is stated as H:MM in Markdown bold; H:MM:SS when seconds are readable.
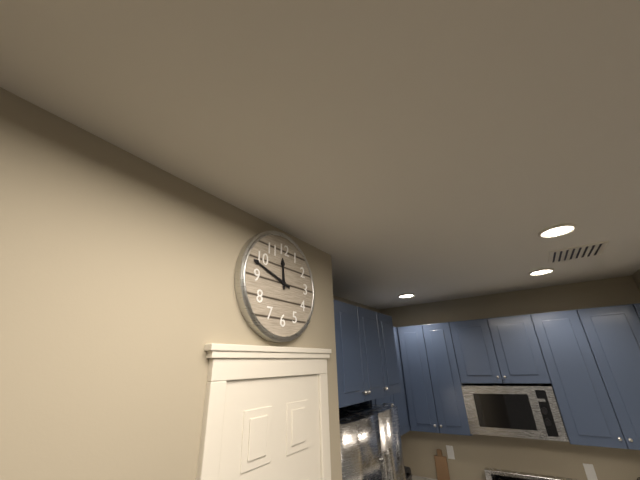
**11:48**
